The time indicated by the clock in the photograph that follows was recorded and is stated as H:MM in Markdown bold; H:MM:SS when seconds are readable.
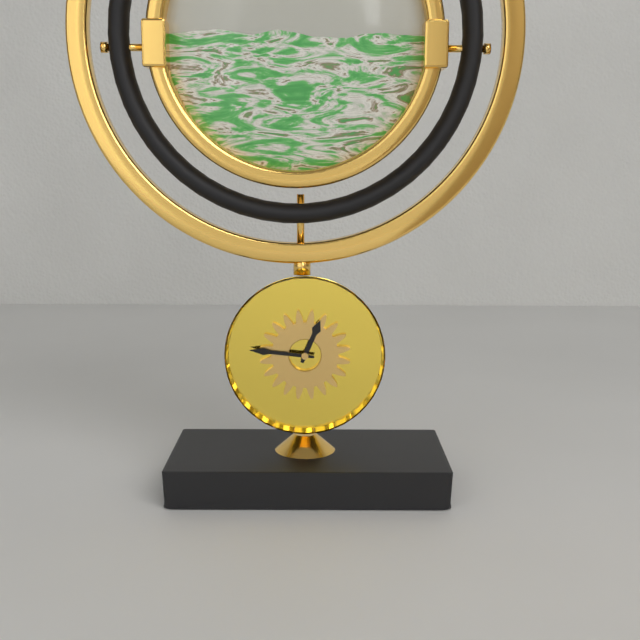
**12:46**
